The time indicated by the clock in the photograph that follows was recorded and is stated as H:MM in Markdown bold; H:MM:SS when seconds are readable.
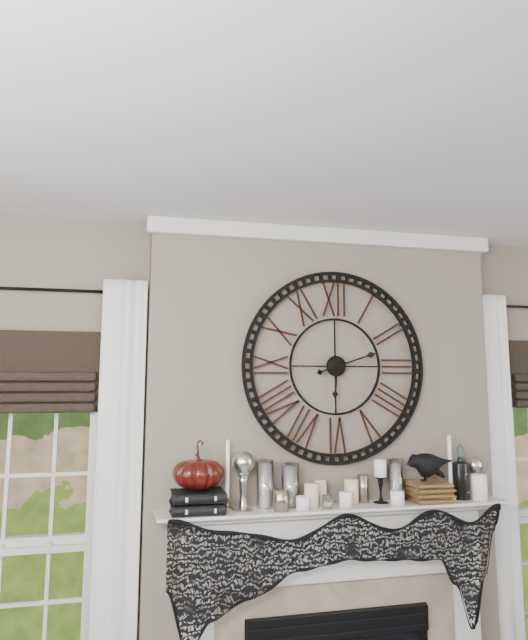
**6:12**
